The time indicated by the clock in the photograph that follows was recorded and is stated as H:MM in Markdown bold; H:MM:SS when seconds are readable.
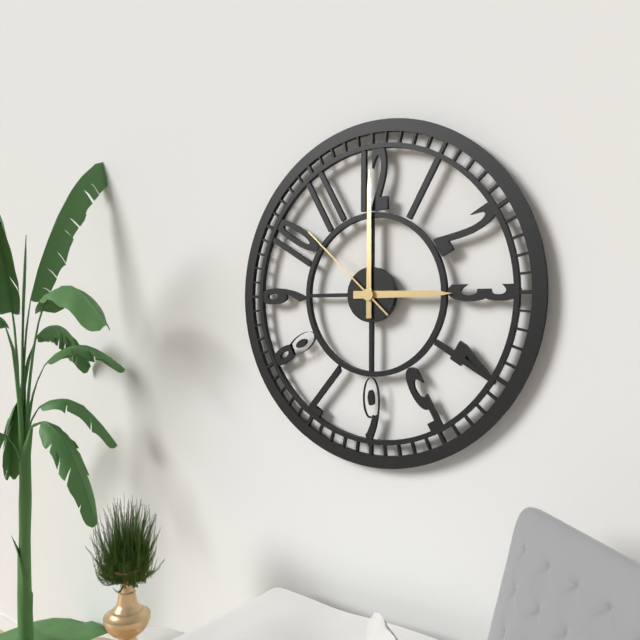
**3:00:52**
